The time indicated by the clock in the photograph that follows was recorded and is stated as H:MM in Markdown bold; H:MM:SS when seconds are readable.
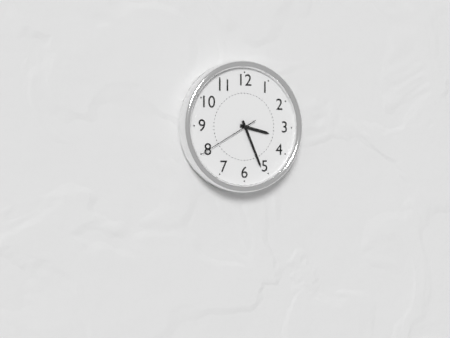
**3:26:40**
